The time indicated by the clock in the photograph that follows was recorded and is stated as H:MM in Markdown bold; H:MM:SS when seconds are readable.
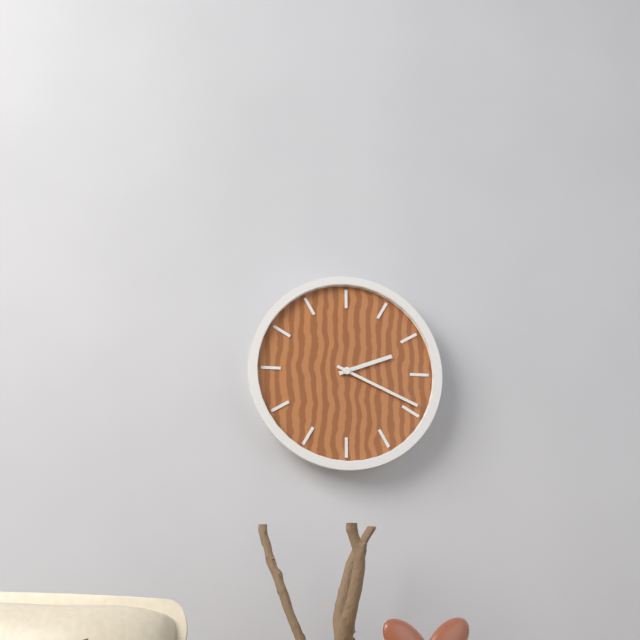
**2:19**
